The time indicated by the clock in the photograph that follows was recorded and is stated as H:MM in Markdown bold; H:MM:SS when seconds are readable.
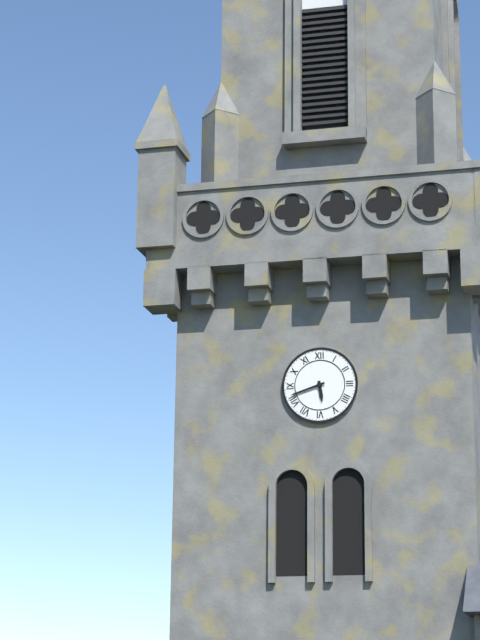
**5:42**
